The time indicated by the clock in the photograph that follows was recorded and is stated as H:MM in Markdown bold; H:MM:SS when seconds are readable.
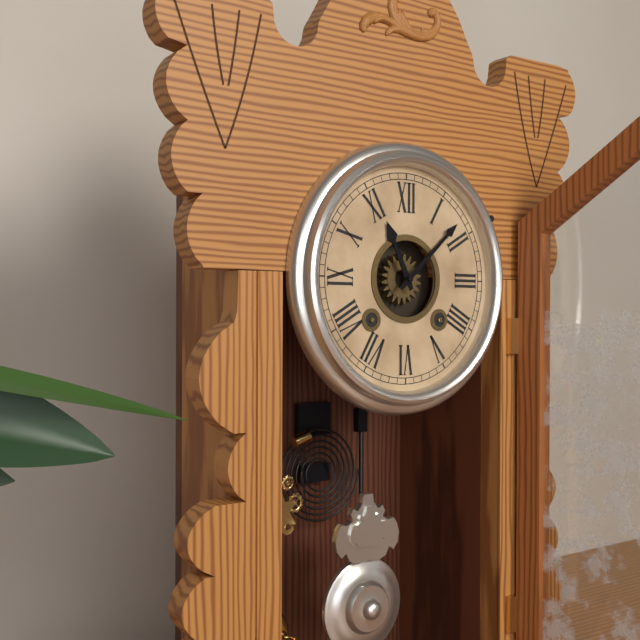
**11:08**
